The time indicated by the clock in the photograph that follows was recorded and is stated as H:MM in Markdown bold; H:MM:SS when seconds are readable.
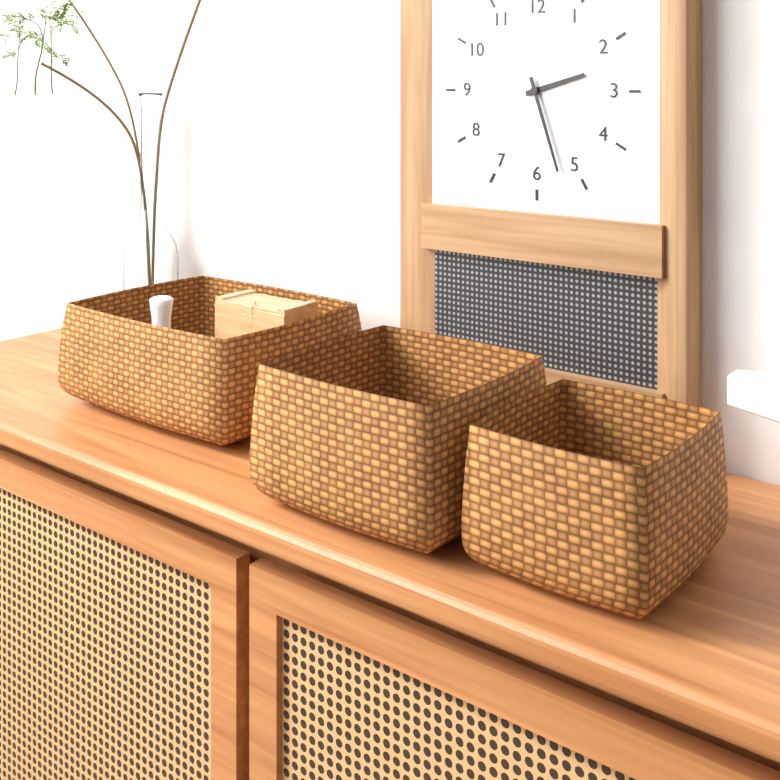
**2:27**
